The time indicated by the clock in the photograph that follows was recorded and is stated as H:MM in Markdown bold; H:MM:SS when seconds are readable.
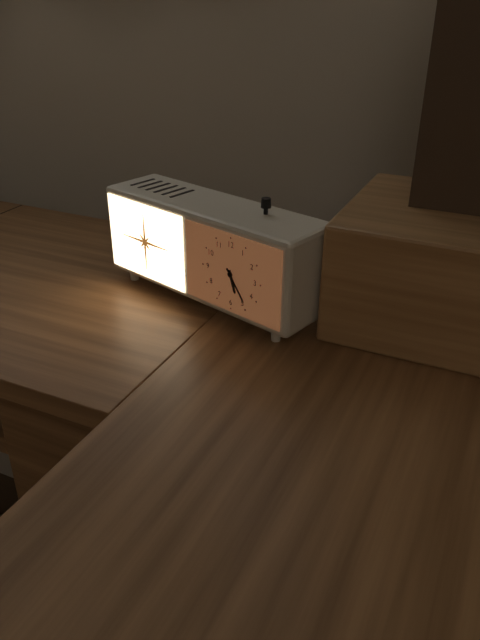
**5:24**
